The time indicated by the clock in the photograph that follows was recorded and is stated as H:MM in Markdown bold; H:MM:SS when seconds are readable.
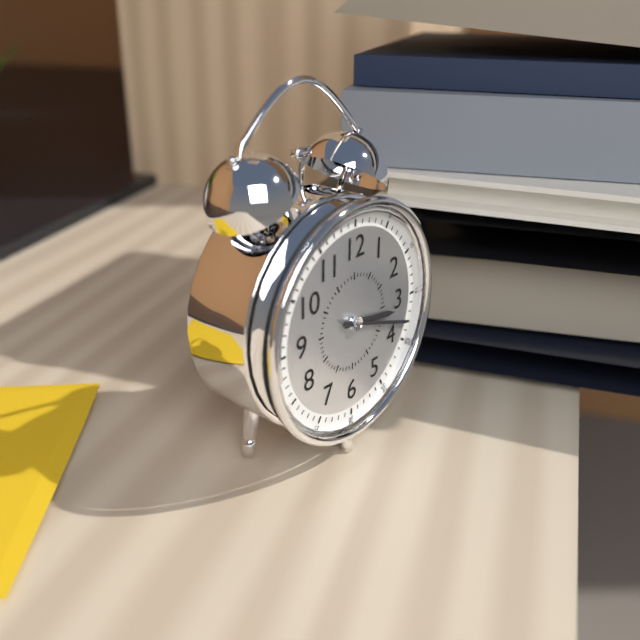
**3:18**
